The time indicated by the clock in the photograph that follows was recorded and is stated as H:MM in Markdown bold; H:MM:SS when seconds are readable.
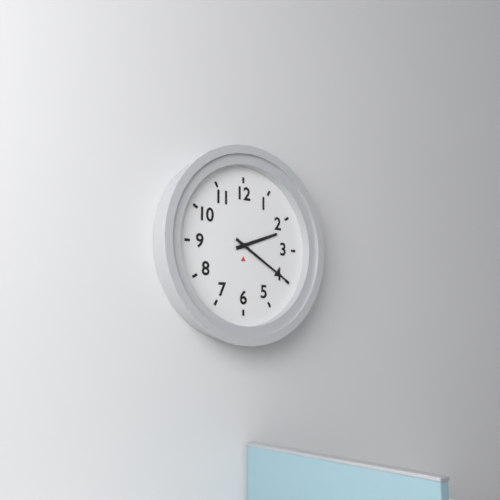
**2:20**
